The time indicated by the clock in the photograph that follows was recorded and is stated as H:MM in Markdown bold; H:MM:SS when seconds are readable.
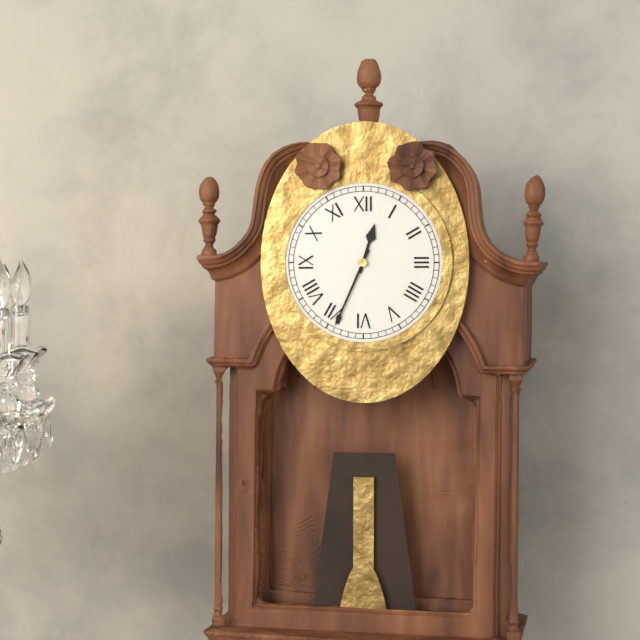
**12:34**
